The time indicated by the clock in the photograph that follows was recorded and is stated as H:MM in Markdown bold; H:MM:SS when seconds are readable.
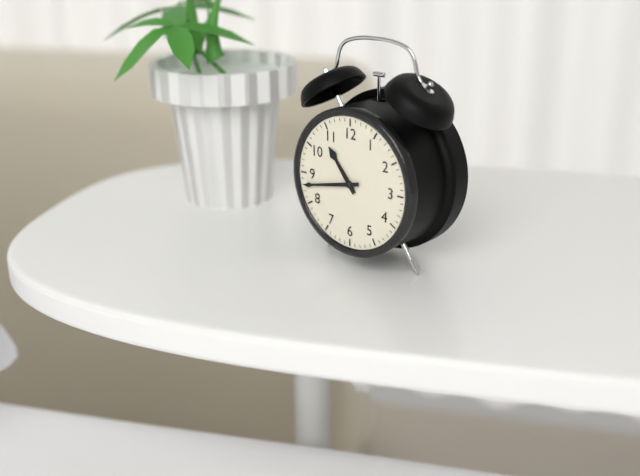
**10:43**
